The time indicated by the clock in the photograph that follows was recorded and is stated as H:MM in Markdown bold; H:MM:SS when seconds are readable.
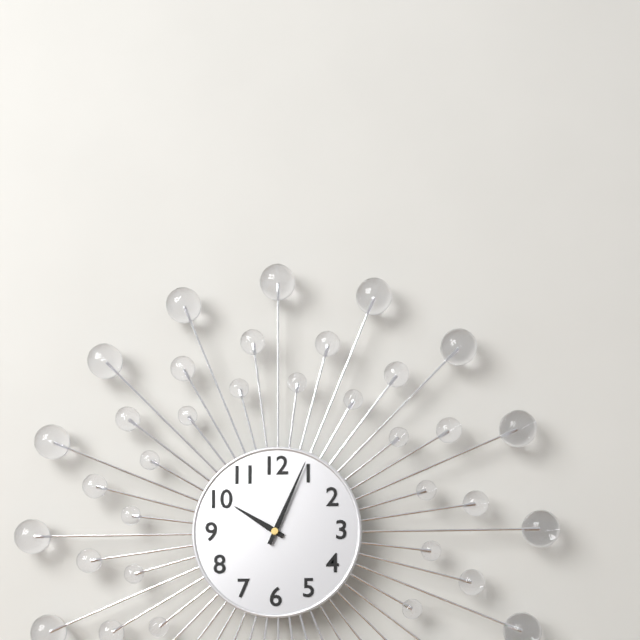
**10:04**
